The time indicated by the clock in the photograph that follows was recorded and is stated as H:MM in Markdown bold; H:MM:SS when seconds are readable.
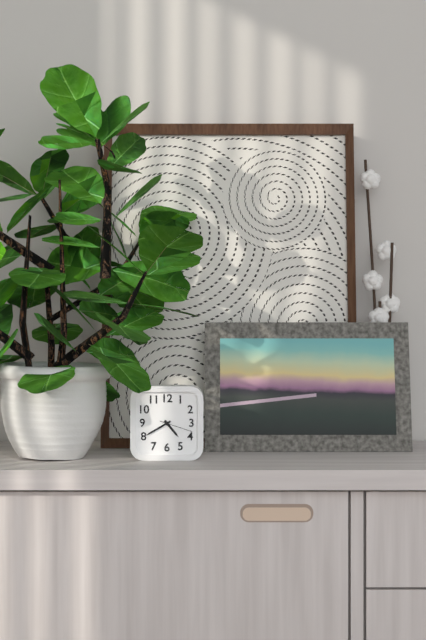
**4:40**
